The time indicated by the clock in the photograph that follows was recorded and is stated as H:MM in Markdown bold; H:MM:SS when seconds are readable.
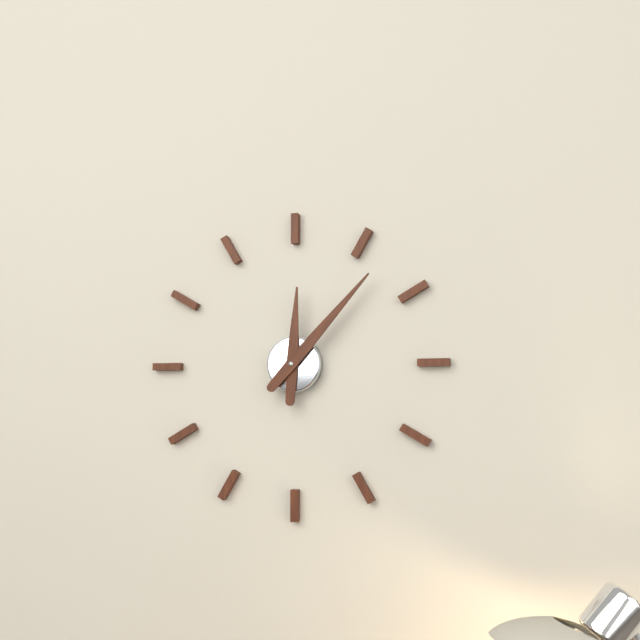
**12:07**
